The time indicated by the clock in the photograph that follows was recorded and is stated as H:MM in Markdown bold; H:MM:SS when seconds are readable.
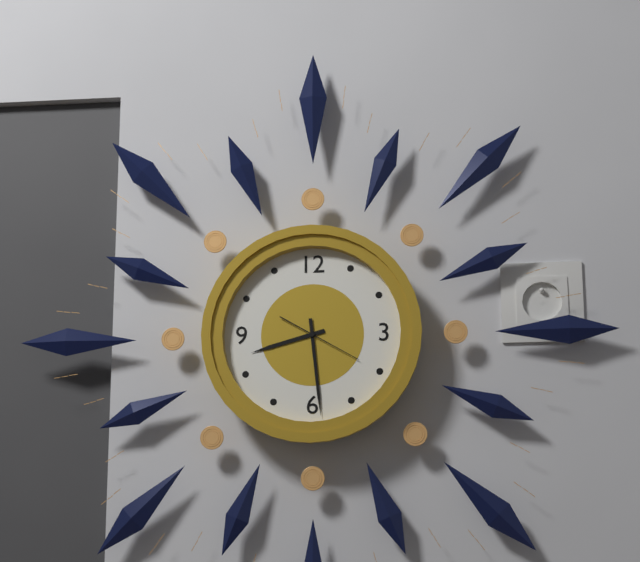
**8:29:20**
